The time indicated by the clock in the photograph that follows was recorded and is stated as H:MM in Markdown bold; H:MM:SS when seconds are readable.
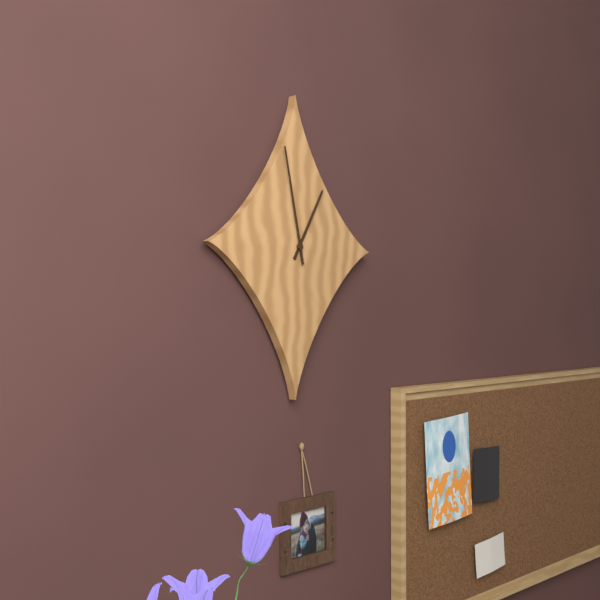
**12:58**
